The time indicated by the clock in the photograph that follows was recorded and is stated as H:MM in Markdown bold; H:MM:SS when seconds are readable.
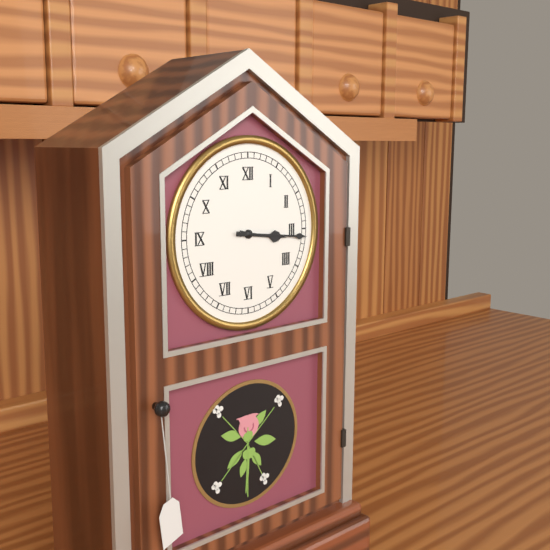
**3:16**
